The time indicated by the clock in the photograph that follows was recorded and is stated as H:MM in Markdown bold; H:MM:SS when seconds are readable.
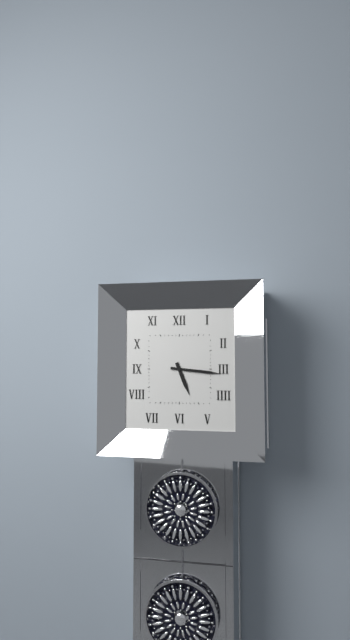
**5:16**
